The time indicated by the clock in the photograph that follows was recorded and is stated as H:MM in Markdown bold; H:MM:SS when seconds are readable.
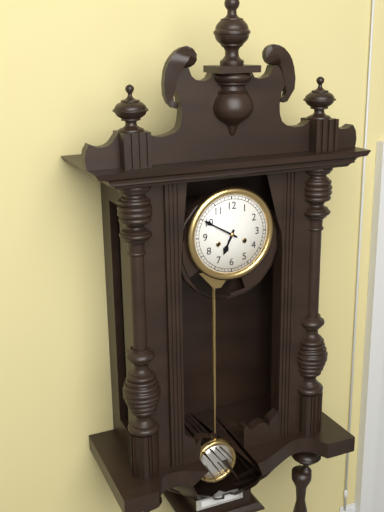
**6:50**
